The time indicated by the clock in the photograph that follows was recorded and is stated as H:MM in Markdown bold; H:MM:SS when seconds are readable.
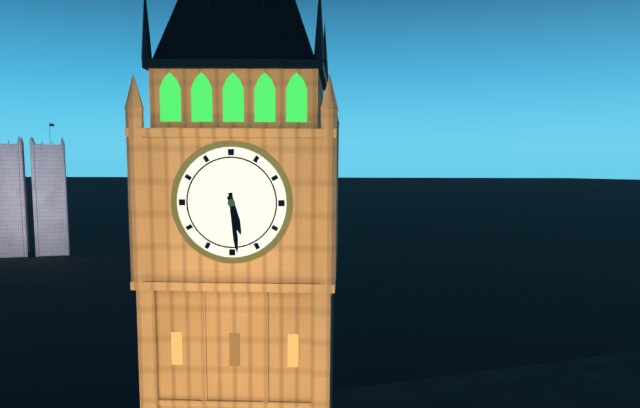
**5:29**
